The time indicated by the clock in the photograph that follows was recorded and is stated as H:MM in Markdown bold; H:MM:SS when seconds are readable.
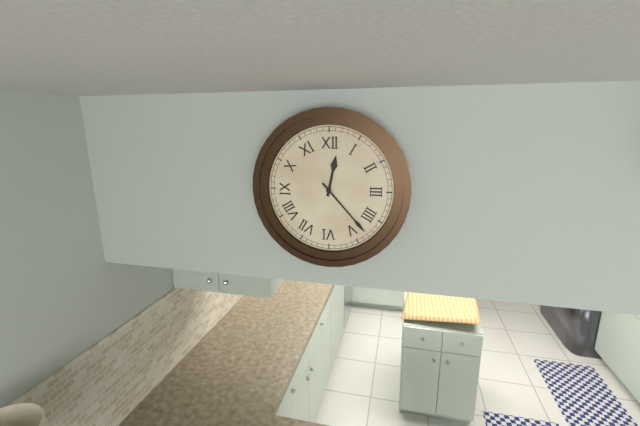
**12:23**
